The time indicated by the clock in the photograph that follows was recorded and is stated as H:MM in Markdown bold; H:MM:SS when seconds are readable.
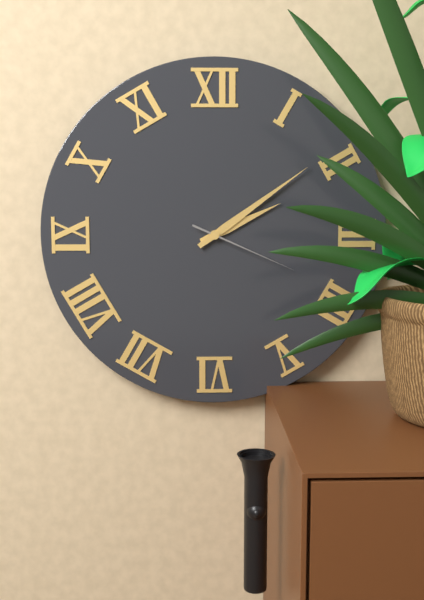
**2:09:19**
